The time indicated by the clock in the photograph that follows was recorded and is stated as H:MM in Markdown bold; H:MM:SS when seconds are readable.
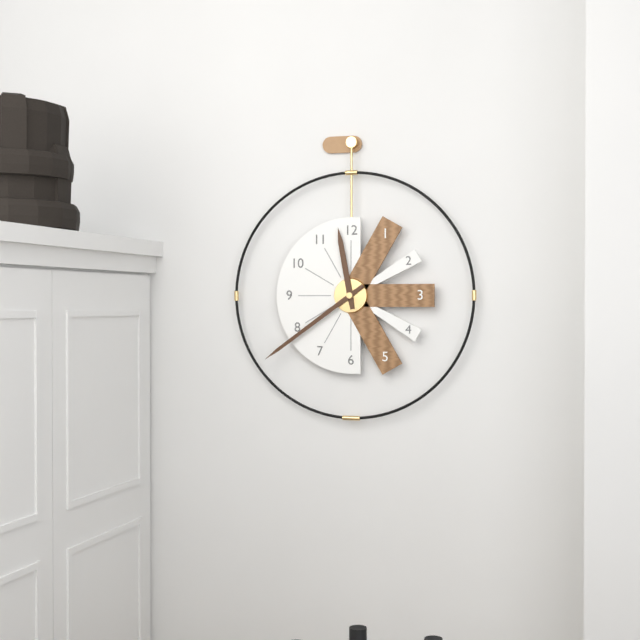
**11:39**
